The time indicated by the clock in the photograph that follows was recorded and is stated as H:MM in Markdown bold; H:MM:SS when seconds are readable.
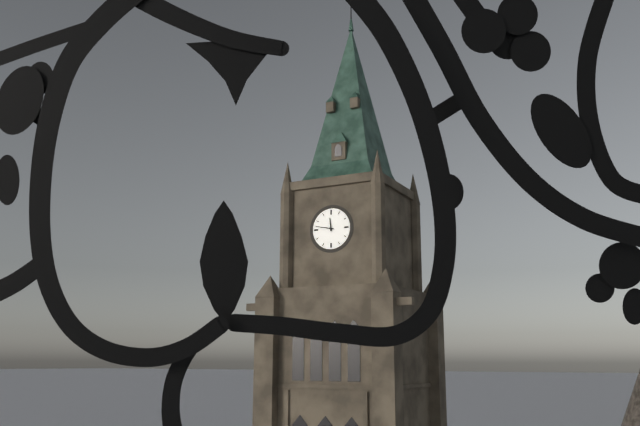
**11:47**
